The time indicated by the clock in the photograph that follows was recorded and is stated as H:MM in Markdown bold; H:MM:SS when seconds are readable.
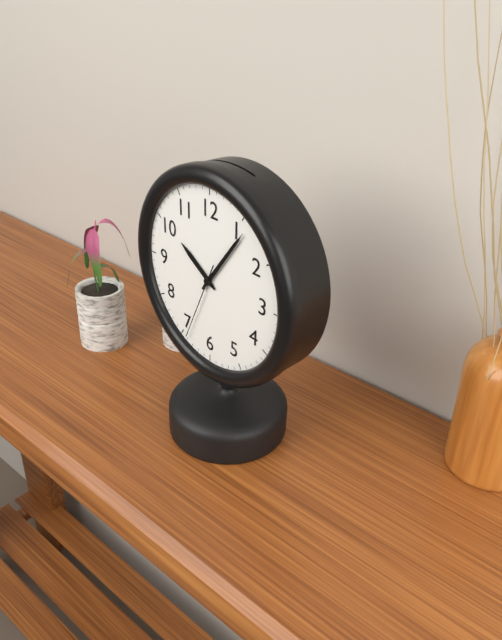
**10:06:34**
